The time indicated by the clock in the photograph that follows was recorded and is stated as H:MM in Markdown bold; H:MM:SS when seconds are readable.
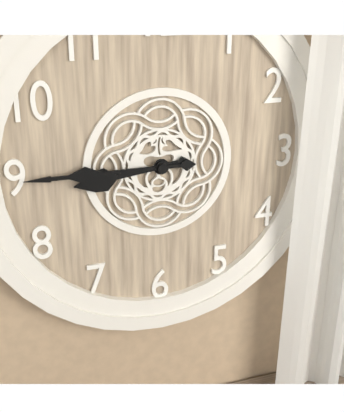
**8:45**
